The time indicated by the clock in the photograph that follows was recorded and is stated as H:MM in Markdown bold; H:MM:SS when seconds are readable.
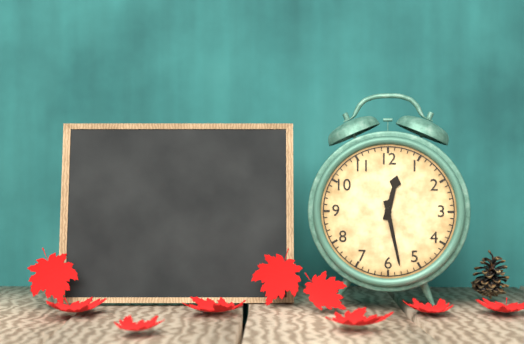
**12:28**
